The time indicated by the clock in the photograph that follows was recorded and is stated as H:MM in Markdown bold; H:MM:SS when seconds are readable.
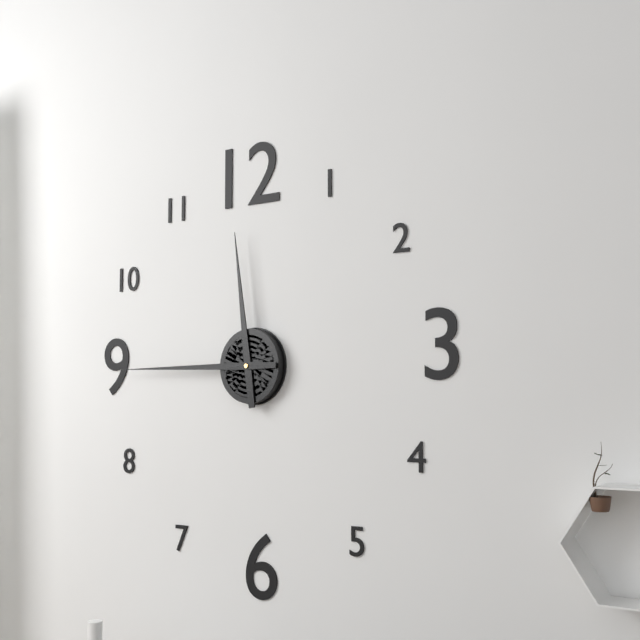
**11:45**
